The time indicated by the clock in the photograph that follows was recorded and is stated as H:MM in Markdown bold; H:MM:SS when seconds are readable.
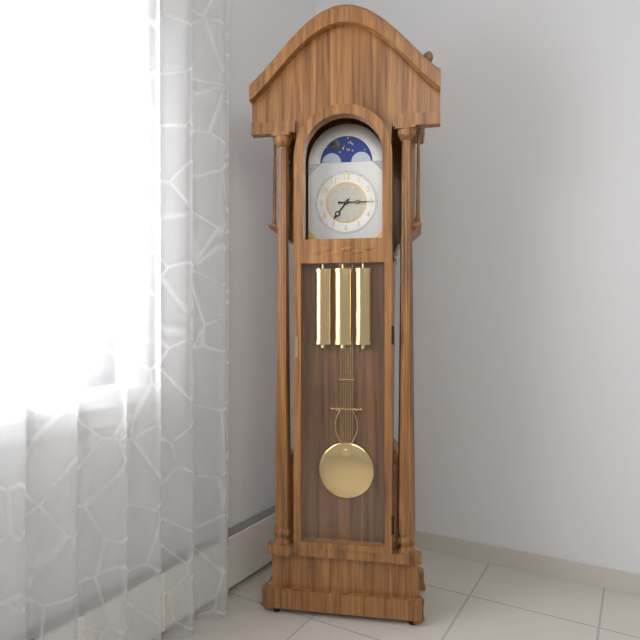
**7:15**
